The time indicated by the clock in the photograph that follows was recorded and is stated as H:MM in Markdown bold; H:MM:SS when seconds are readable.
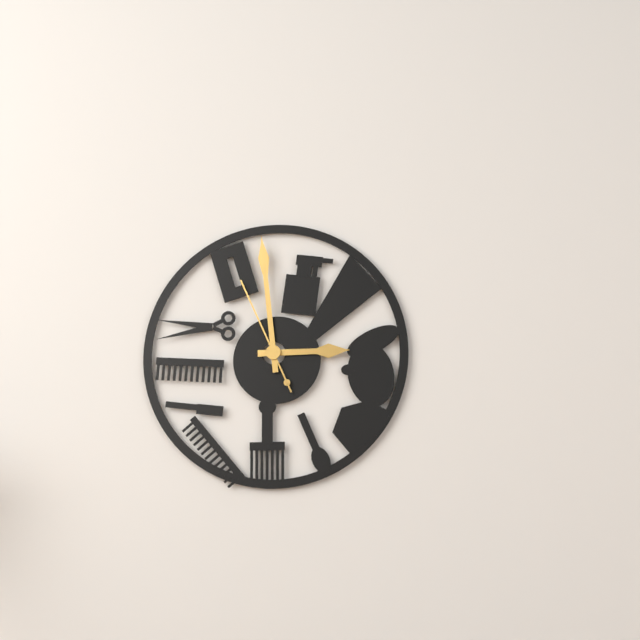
**2:59:56**
